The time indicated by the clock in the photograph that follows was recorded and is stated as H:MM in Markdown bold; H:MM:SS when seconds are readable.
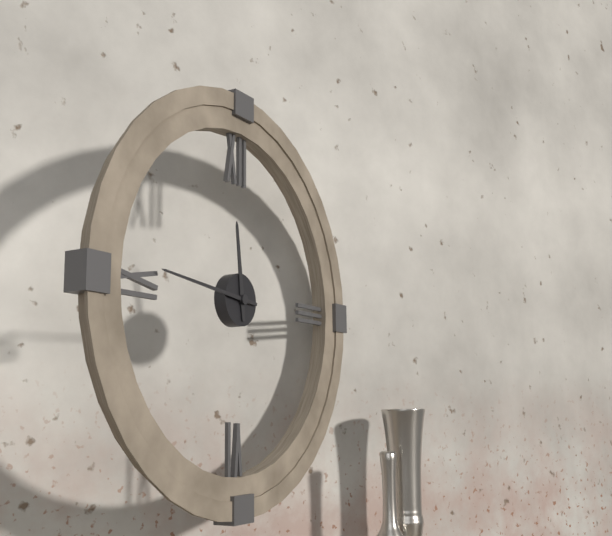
**11:46**
